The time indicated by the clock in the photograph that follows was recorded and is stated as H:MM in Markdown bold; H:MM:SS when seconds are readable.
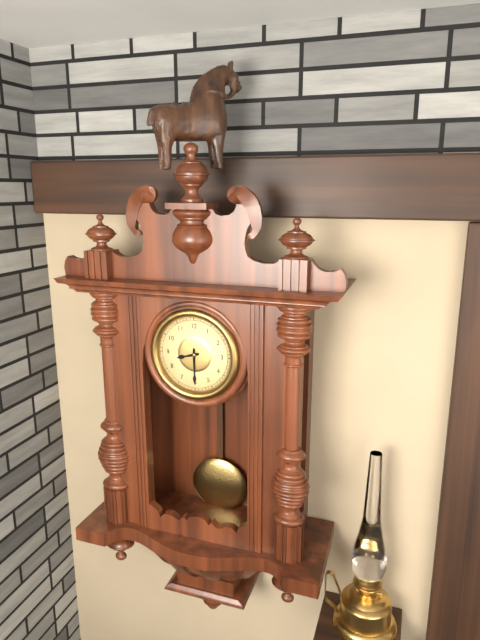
**8:30**
